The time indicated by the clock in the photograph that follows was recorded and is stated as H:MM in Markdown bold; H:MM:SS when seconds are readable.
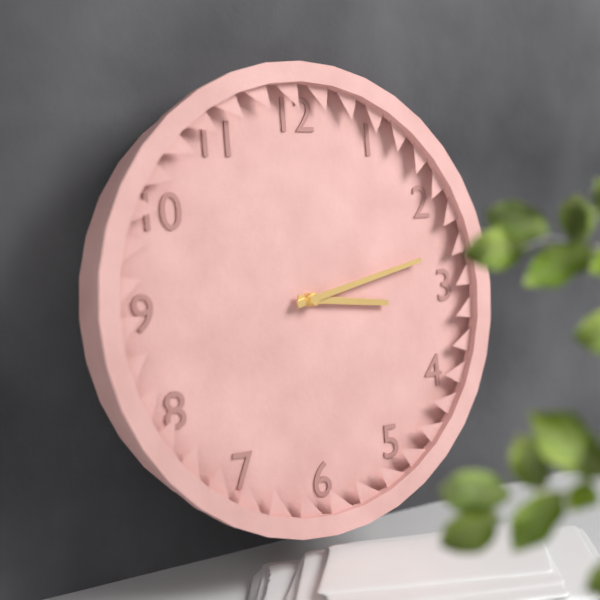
**3:13**
